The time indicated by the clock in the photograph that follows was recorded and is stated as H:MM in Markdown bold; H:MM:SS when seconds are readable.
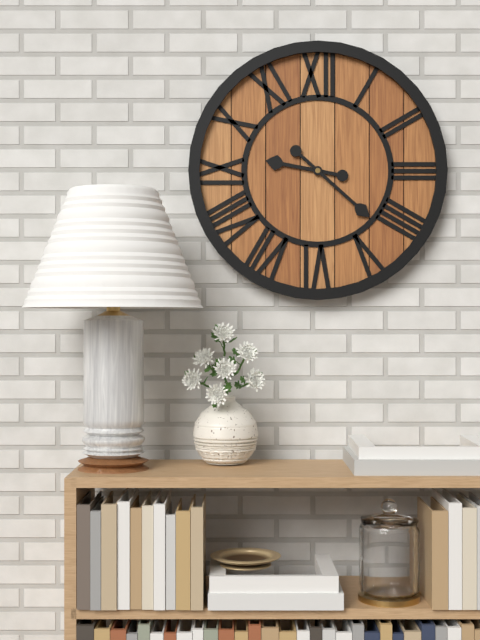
**9:22**
